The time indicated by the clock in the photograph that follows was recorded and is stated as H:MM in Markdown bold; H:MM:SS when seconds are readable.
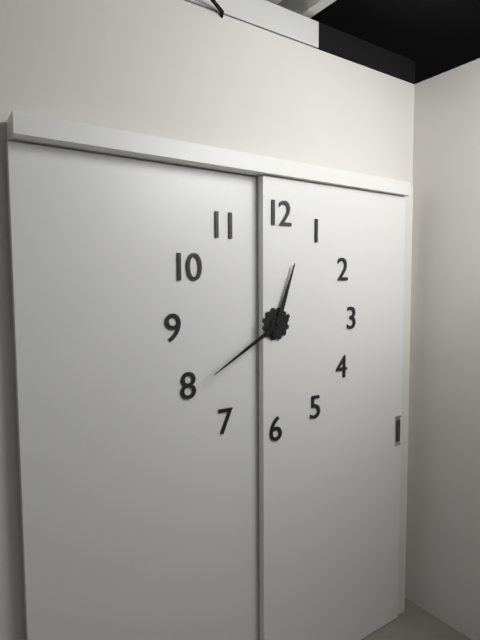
**12:40**
